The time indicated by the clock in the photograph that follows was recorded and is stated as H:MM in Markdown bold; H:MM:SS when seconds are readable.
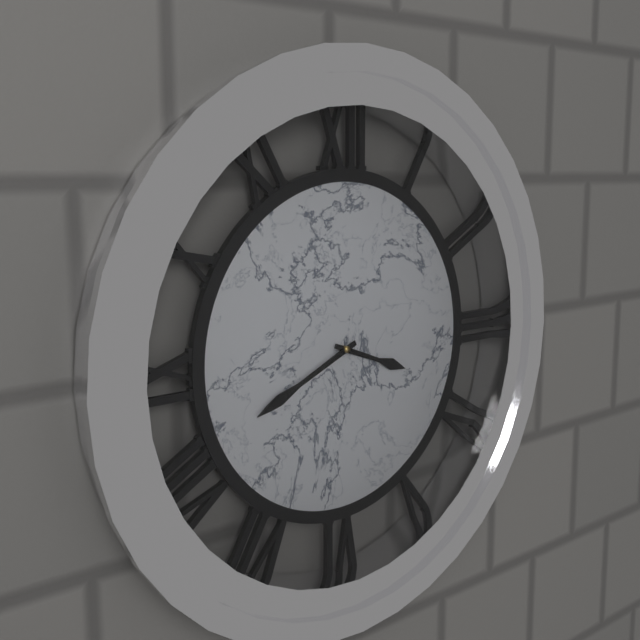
**3:41**
